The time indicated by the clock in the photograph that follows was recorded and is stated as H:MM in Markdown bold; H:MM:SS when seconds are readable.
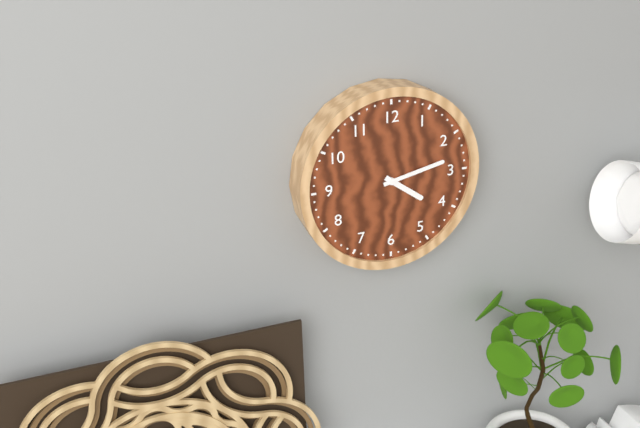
**4:13**
